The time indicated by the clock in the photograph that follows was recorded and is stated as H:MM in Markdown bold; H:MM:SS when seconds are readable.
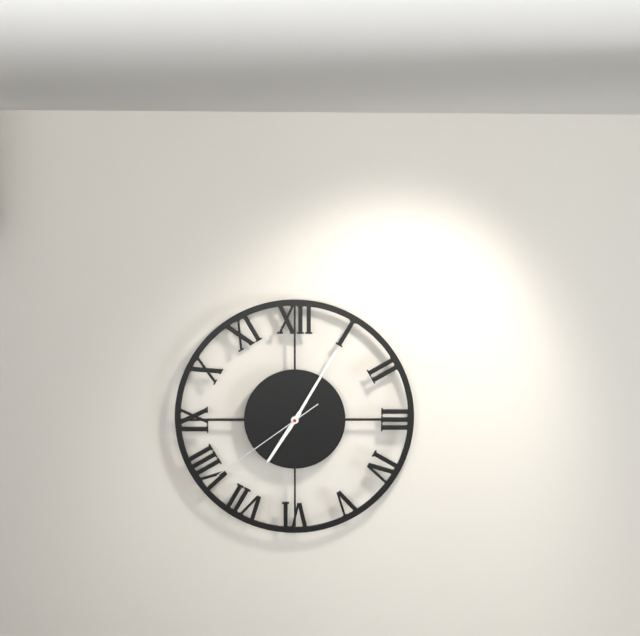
**7:05:39**
